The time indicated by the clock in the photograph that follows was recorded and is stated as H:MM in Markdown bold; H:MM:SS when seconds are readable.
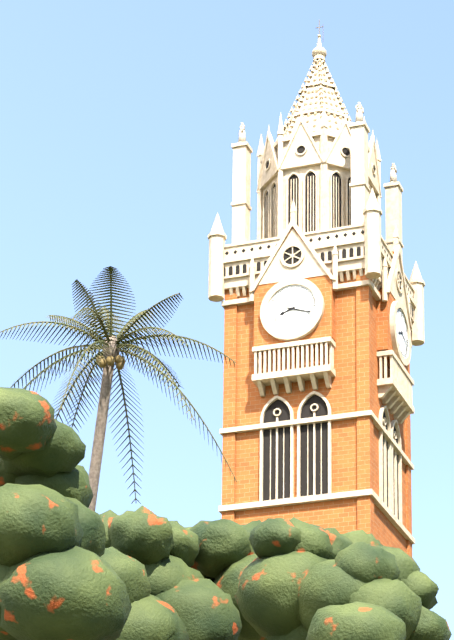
**8:18**
